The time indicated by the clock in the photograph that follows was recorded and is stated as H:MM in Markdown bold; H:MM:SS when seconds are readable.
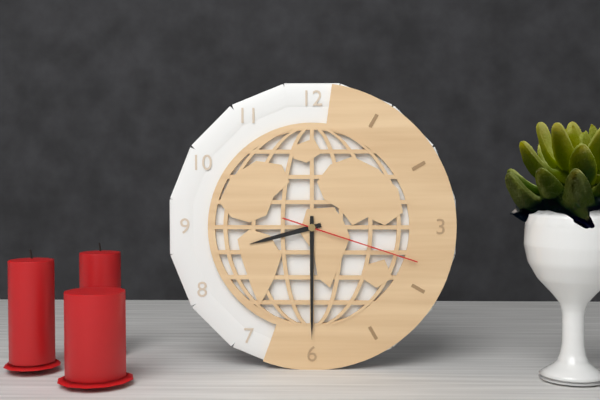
**8:30:18**
